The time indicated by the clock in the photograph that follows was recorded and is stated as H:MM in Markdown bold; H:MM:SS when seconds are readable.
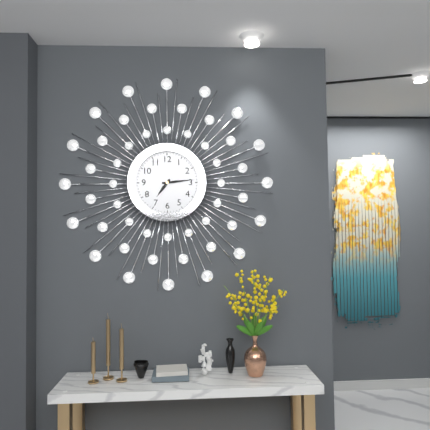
**7:14**
